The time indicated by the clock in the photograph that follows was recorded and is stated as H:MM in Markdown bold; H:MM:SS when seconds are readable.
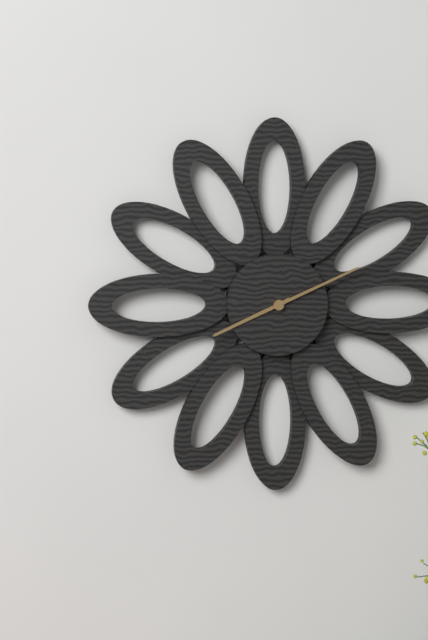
**8:11**
